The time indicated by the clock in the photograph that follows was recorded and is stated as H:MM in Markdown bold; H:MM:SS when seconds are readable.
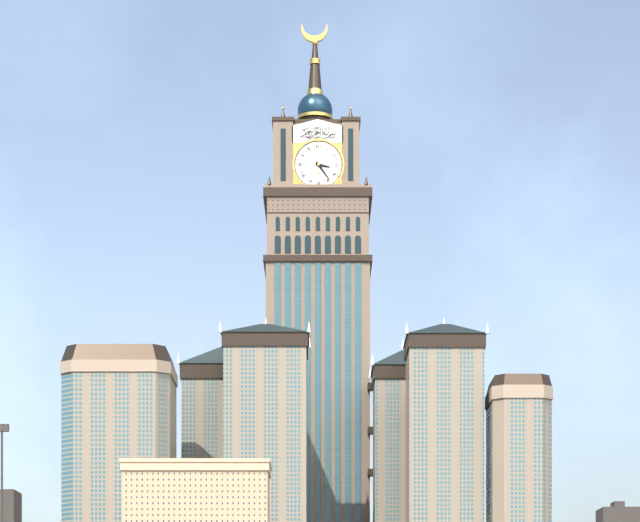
**3:24**
